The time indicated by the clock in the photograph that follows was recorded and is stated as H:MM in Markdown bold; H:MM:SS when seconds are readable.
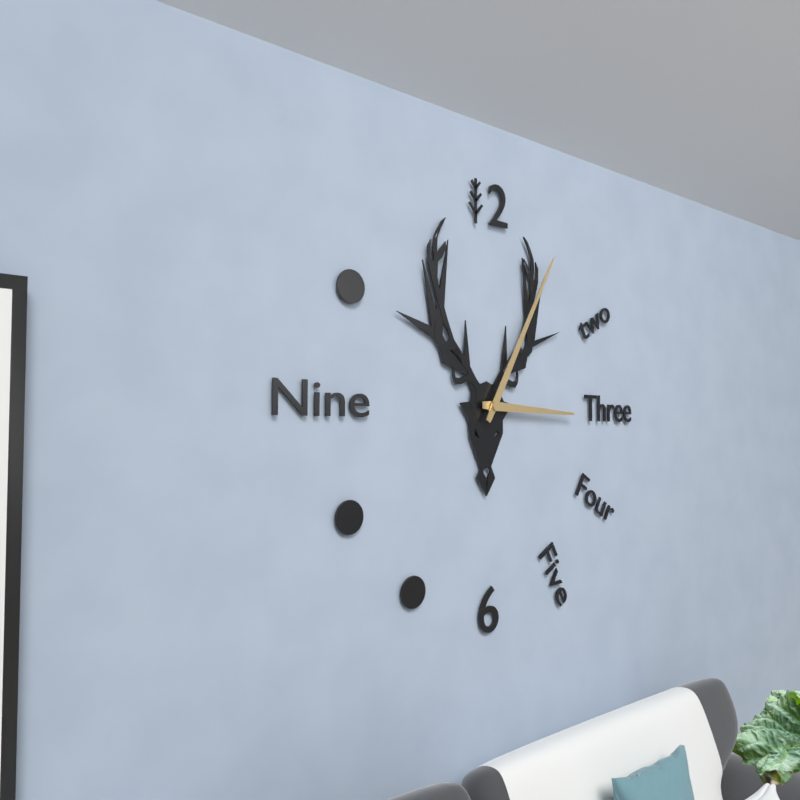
**3:05**
